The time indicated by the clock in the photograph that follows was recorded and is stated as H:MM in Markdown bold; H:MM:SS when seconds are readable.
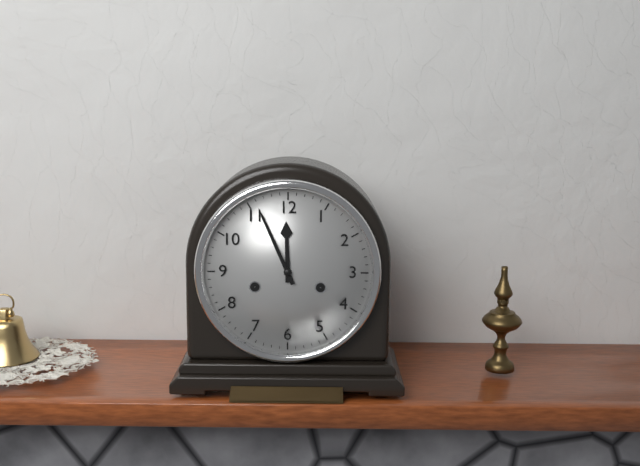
**11:56**
